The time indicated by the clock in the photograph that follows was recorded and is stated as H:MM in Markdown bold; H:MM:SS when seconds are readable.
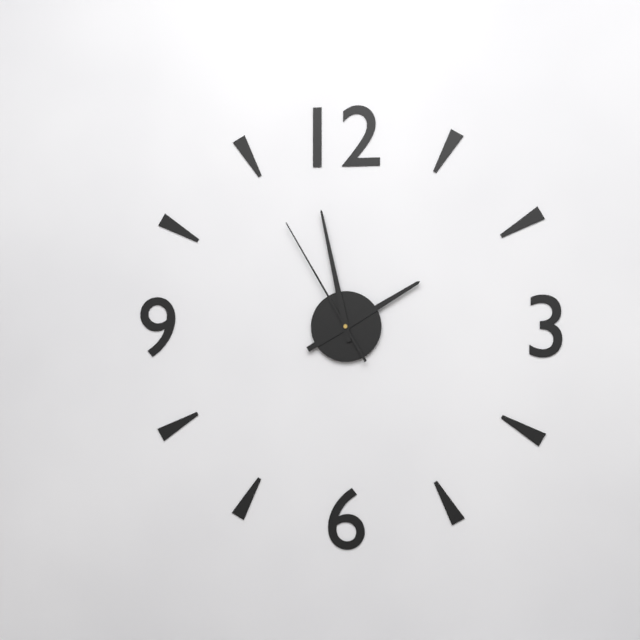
**1:58:55**
